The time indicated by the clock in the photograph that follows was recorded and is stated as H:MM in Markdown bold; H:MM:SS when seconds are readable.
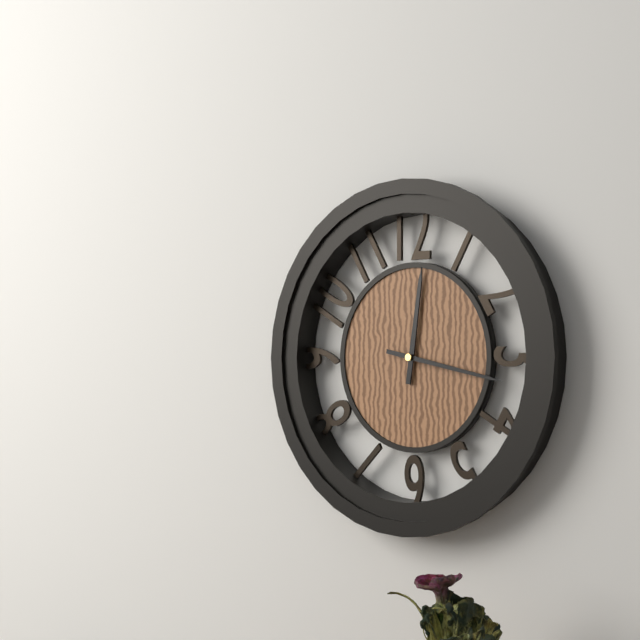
**12:17**
